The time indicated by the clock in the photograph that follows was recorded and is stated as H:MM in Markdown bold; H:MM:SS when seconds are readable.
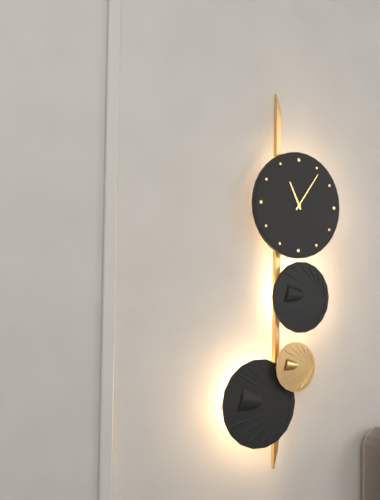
**11:06**
